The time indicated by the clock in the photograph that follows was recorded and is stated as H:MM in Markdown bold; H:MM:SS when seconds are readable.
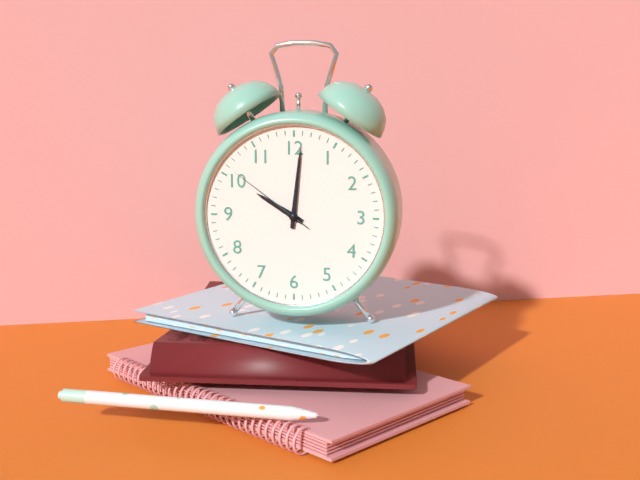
**10:01:51**
